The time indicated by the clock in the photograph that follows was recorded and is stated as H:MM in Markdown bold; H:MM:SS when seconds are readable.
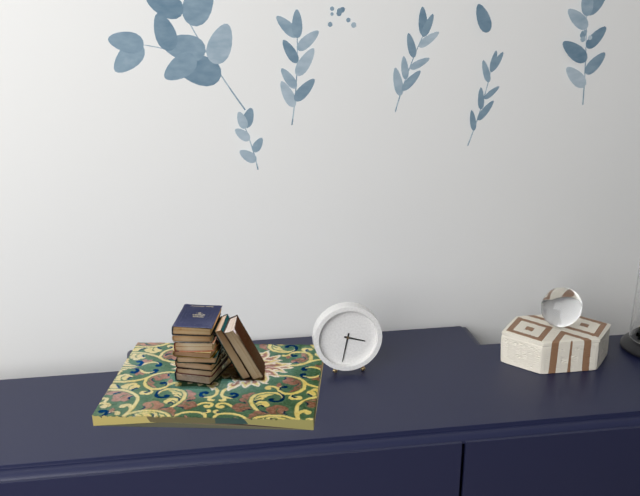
**3:32**
